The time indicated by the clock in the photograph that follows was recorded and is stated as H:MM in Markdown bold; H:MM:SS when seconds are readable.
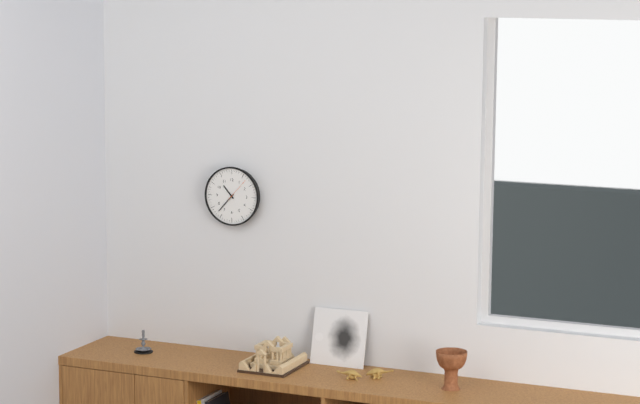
**10:37**
